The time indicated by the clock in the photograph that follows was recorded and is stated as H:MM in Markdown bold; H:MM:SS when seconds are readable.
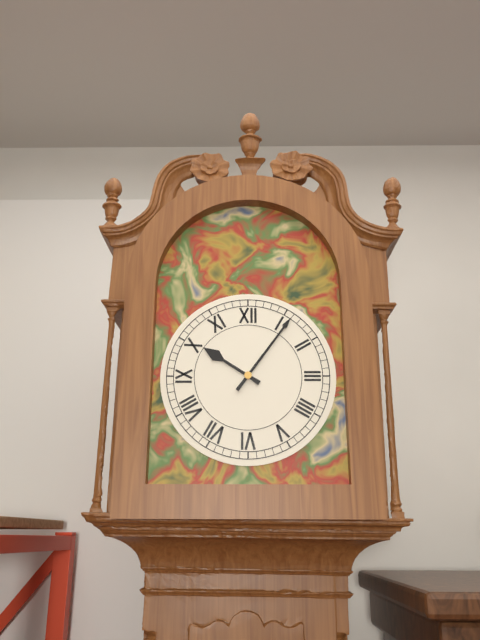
**10:06**
